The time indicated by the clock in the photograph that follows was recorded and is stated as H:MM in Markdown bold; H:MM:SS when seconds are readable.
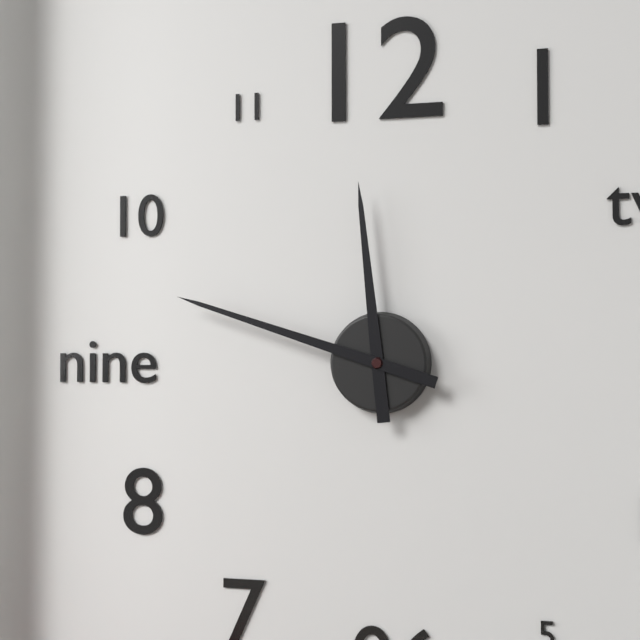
**11:48**
